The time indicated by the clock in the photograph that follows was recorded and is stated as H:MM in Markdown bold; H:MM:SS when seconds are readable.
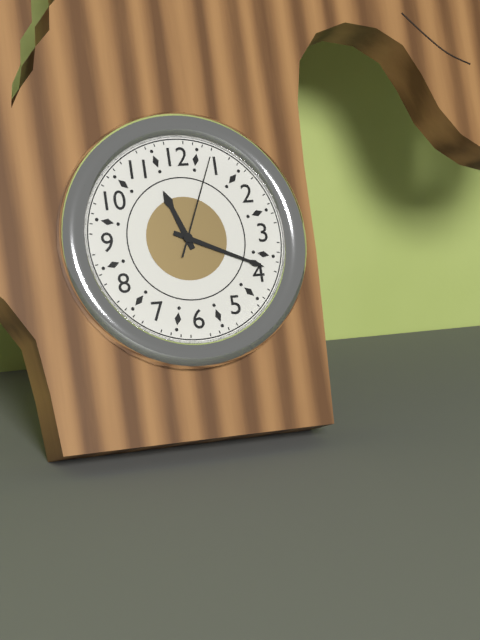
**11:19:04**
